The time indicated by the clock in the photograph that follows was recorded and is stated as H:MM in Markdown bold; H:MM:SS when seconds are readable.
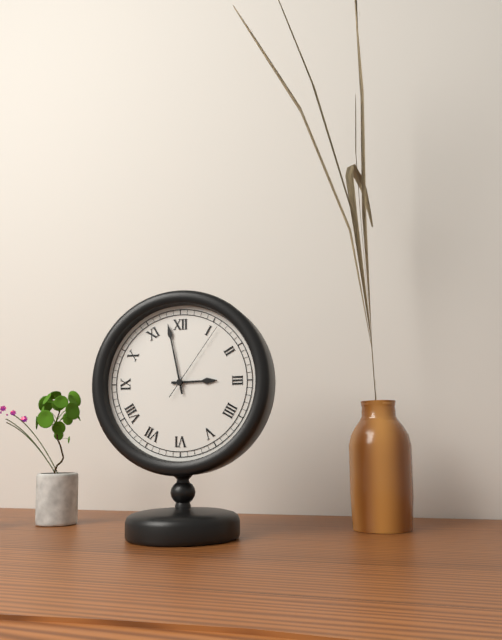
**2:58:06**
